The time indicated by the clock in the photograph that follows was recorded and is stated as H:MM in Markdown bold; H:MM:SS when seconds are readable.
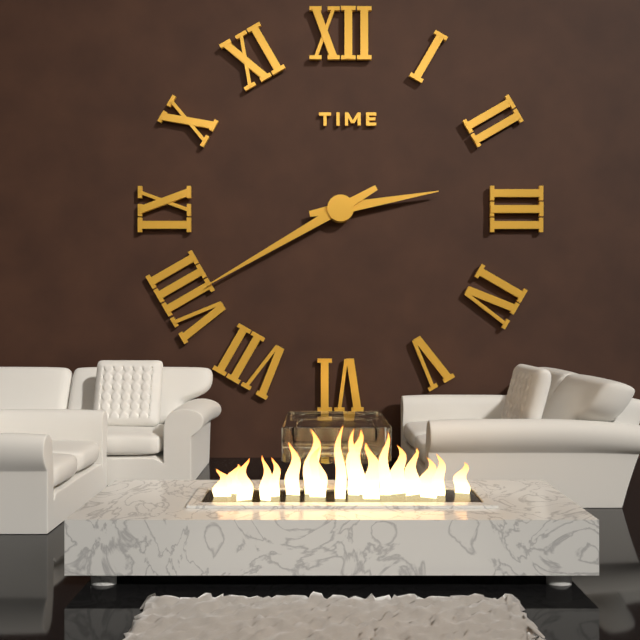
**2:40**
